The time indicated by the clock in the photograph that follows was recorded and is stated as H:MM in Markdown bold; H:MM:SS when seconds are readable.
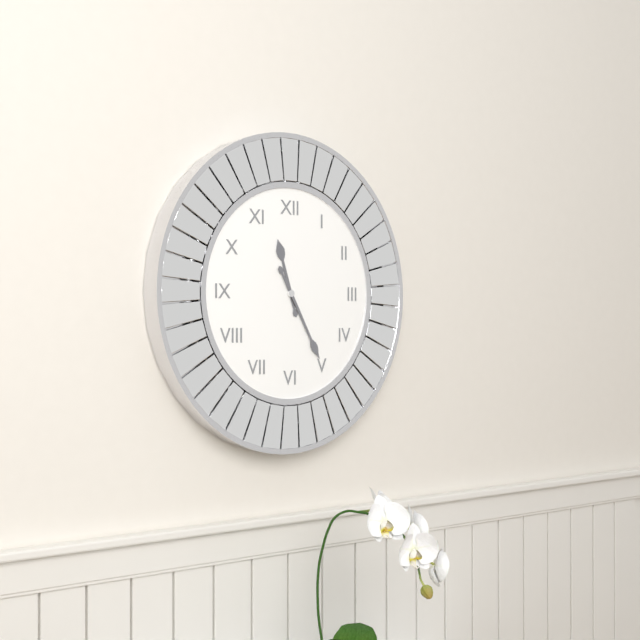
**11:25**
